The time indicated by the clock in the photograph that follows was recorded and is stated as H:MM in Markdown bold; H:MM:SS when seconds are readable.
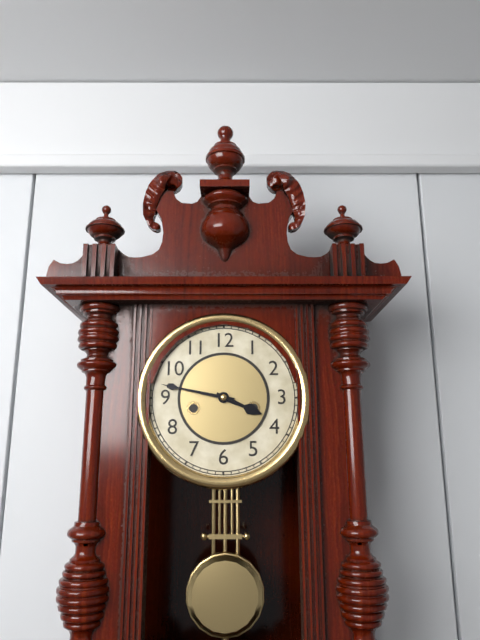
**3:47**
